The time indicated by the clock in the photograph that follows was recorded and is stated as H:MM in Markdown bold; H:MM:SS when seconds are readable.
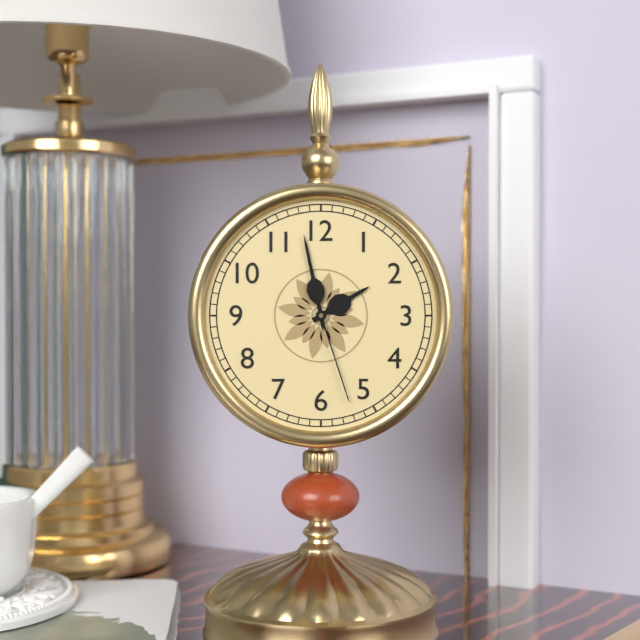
**1:58:27**
